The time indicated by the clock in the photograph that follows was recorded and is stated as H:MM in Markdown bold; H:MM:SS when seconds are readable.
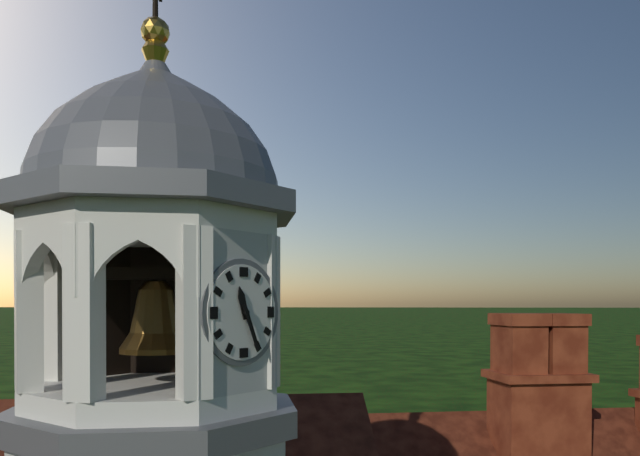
**11:26**
